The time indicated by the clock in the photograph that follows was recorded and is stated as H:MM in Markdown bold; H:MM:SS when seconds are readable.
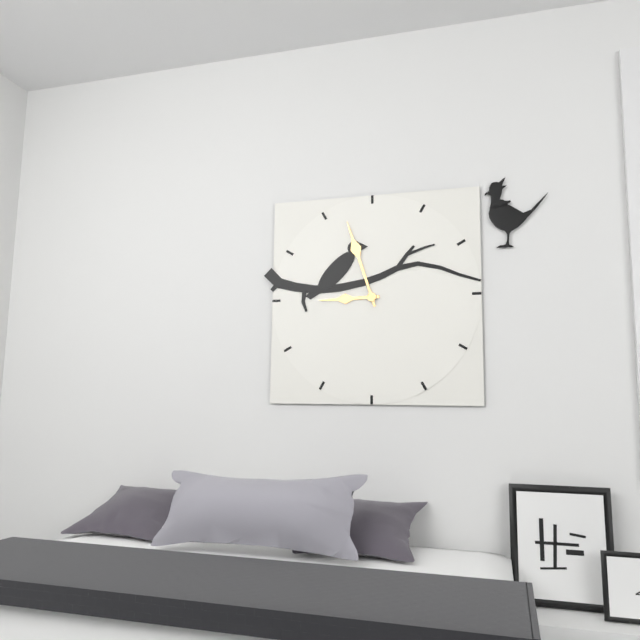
**8:57**
